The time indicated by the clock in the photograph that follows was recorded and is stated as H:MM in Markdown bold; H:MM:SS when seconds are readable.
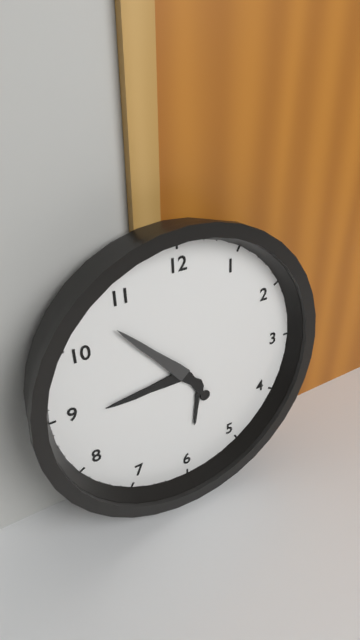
**8:53**
